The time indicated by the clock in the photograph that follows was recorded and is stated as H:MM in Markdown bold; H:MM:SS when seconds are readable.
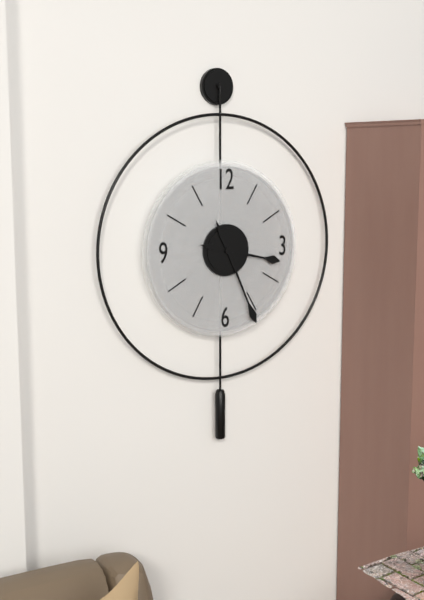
**3:26**
